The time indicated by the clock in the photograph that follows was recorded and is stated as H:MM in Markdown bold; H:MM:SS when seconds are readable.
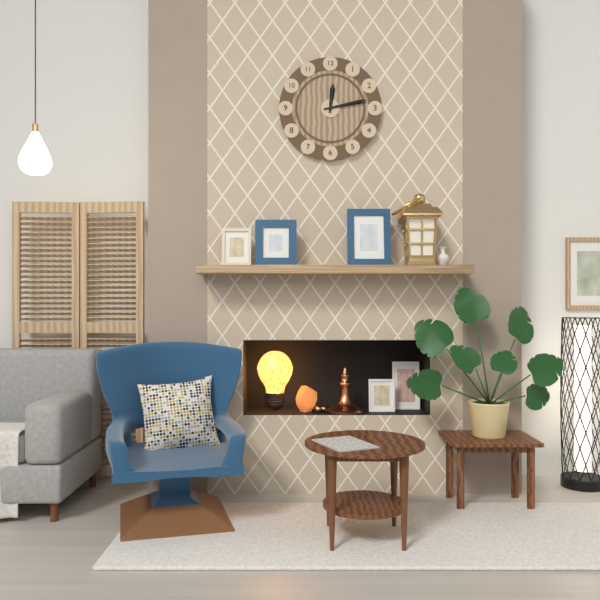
**12:13**
